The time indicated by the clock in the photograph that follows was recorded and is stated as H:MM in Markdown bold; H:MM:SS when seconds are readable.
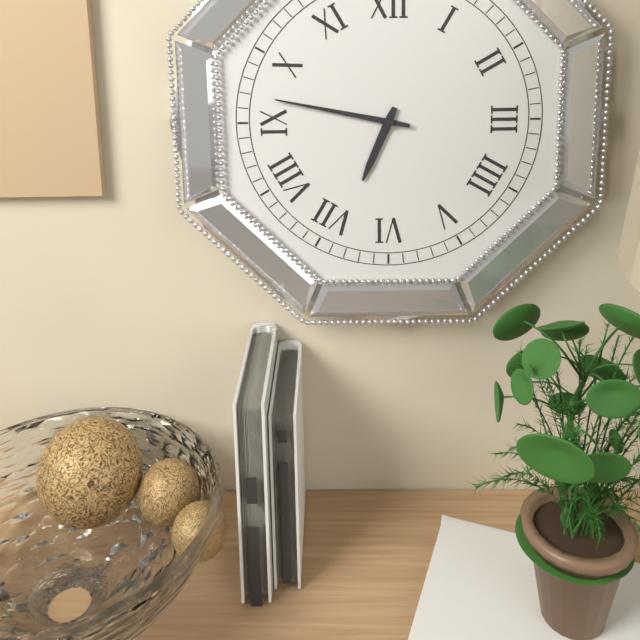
**6:47**
